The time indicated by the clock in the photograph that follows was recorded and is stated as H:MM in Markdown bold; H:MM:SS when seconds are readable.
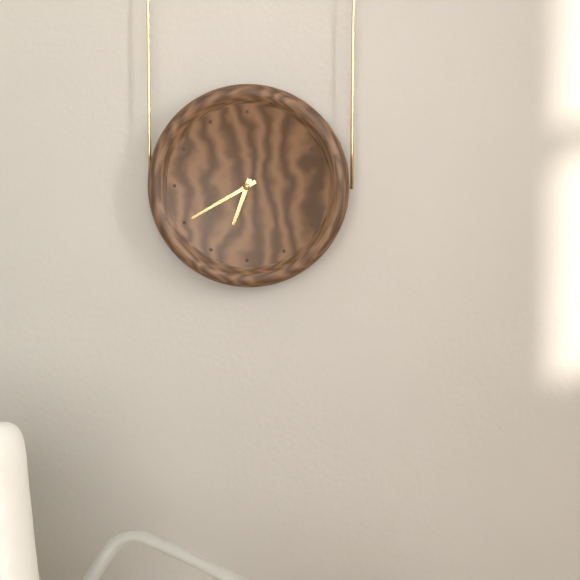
**6:40**
